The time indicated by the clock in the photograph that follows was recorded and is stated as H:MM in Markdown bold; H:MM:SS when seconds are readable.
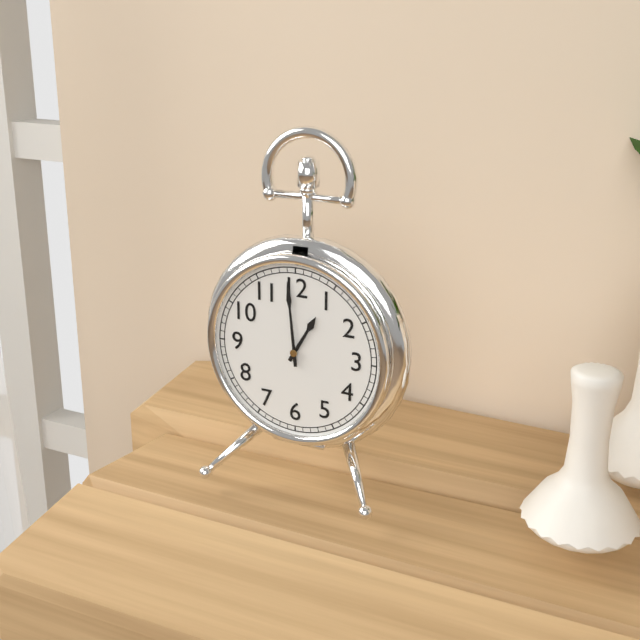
**12:59**
